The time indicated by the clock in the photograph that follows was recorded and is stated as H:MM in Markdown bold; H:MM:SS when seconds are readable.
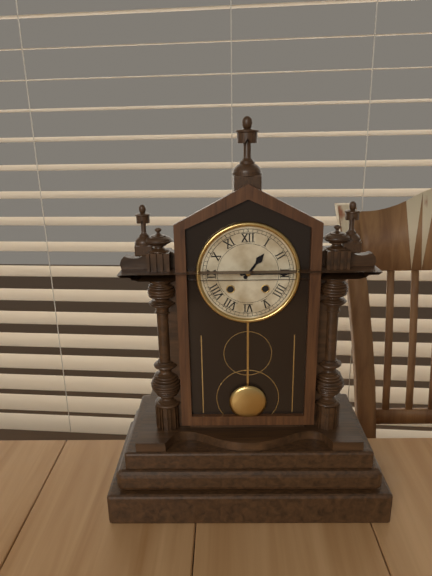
**1:15**
